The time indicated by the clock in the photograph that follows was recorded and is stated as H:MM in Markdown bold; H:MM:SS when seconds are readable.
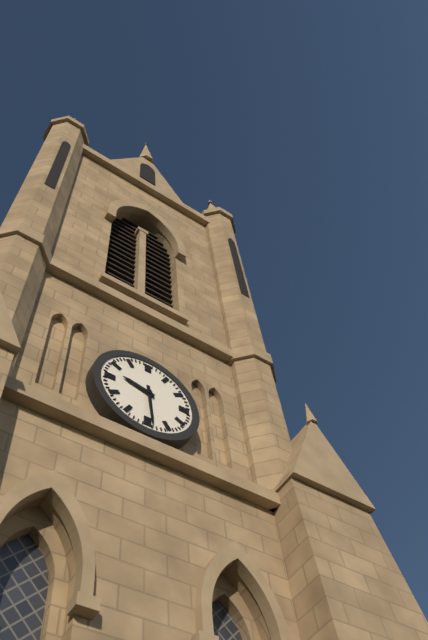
**9:29**
